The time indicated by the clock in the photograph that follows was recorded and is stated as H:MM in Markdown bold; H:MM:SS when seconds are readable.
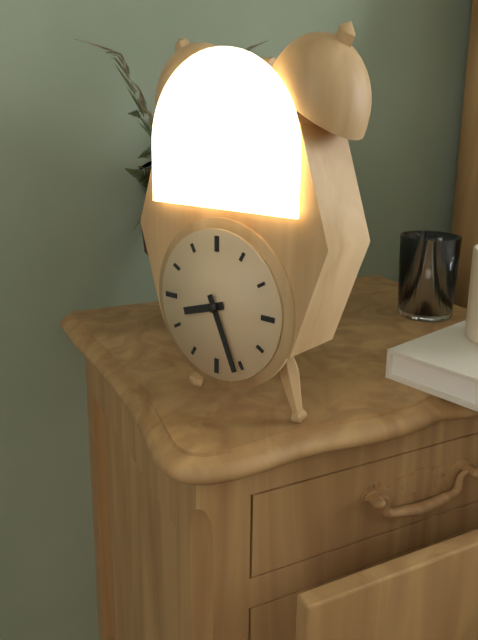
**8:26**
